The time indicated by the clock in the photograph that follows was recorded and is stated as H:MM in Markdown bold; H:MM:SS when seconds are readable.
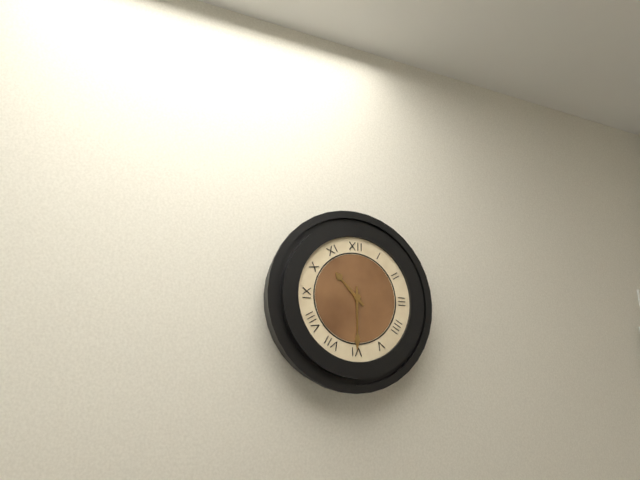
**10:30**
